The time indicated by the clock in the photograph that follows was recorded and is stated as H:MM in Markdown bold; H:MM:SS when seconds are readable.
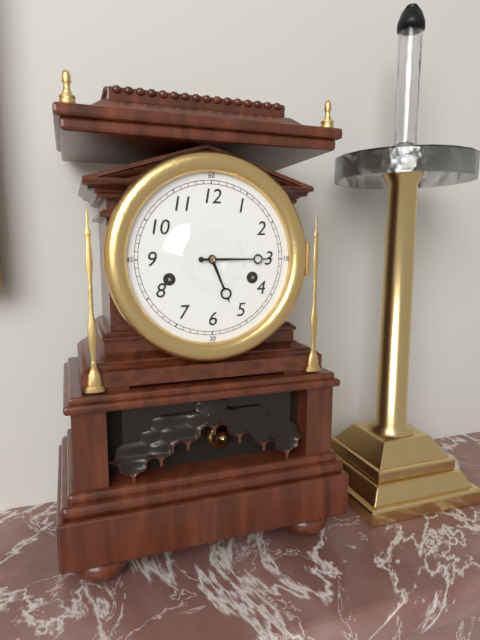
**5:15**
